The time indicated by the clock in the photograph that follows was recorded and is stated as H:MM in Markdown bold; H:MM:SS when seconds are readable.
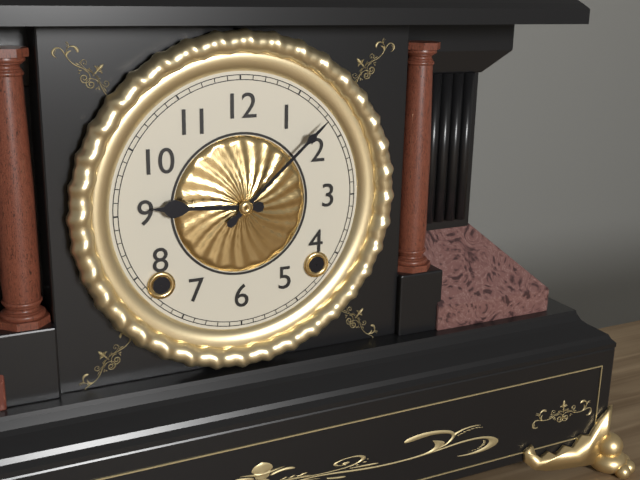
**9:08**
